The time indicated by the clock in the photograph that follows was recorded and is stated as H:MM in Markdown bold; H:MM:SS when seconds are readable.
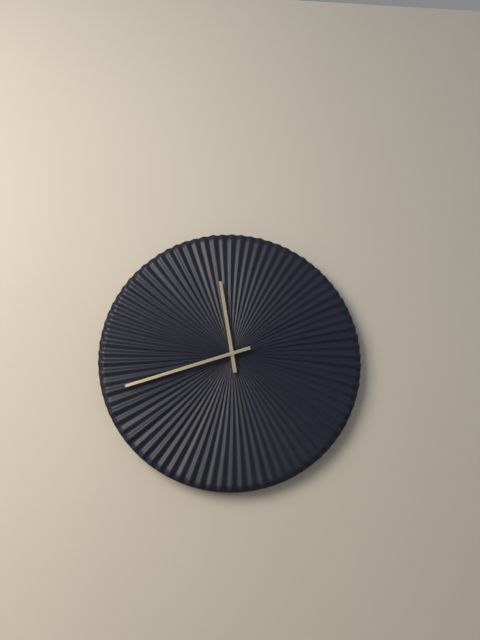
**11:42**
